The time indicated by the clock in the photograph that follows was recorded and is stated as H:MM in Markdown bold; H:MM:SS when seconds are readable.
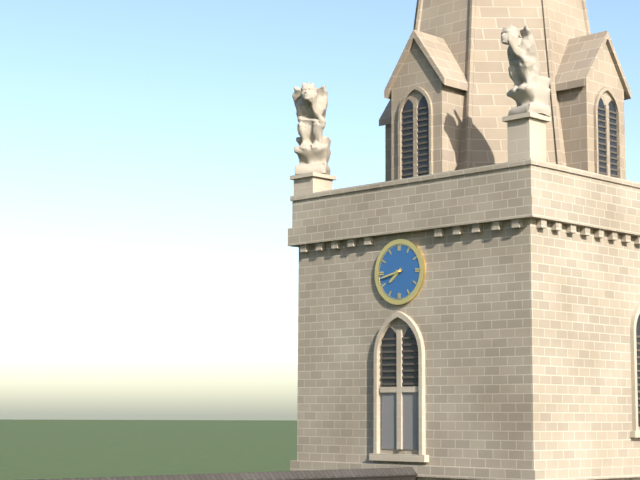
**7:43**
